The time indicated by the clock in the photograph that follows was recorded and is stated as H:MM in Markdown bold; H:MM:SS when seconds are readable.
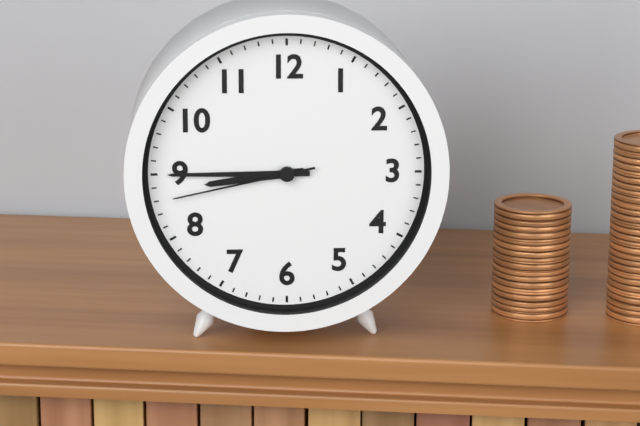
**8:45:43**
